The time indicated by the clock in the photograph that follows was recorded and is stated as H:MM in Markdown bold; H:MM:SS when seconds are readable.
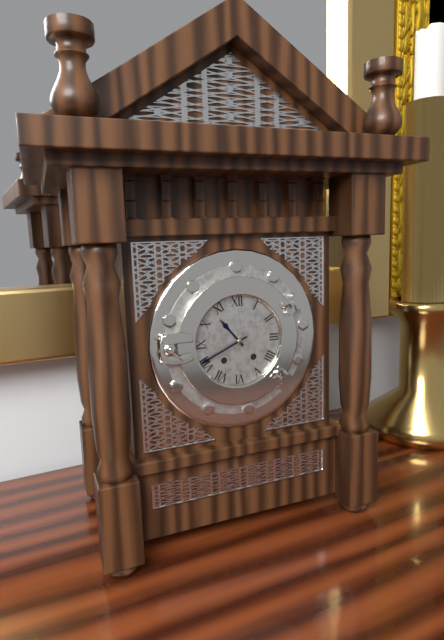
**10:41**
